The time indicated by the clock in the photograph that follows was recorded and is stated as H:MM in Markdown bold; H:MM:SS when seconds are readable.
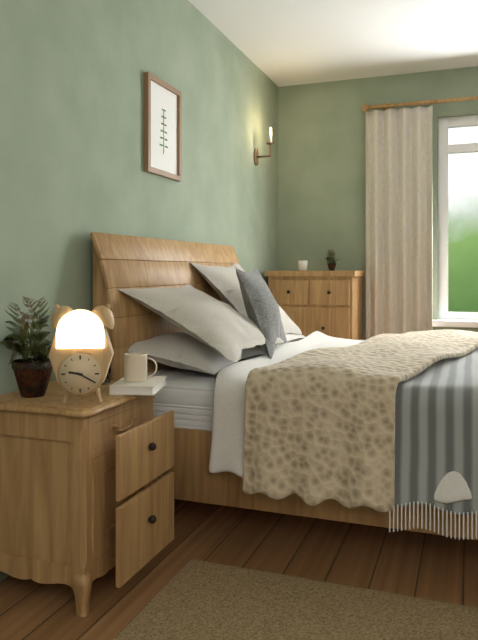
**9:20**
